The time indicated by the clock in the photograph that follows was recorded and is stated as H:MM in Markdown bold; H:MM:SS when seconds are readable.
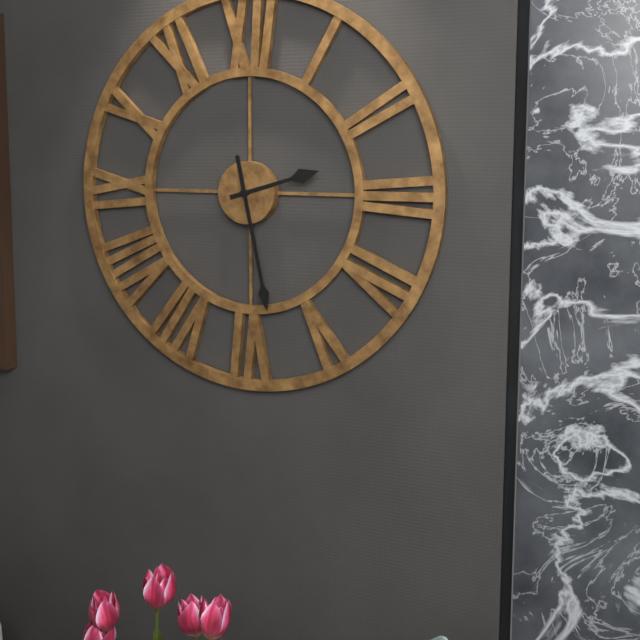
**2:28**
